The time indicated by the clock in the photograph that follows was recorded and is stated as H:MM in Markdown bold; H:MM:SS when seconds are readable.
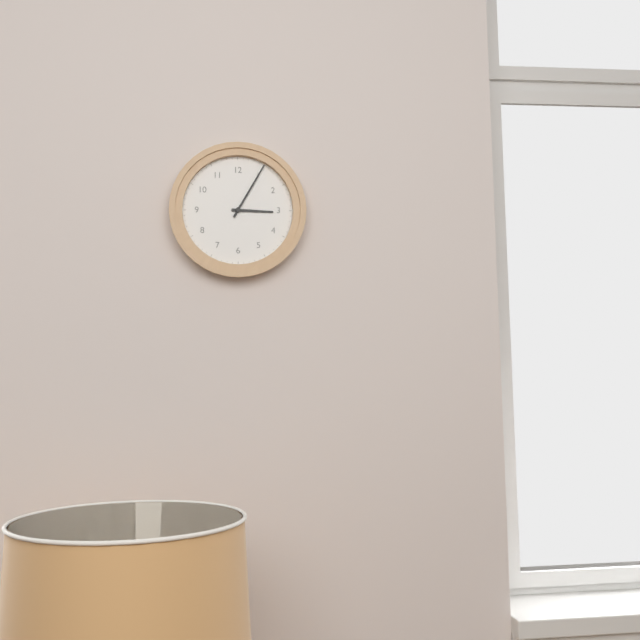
**3:05**
